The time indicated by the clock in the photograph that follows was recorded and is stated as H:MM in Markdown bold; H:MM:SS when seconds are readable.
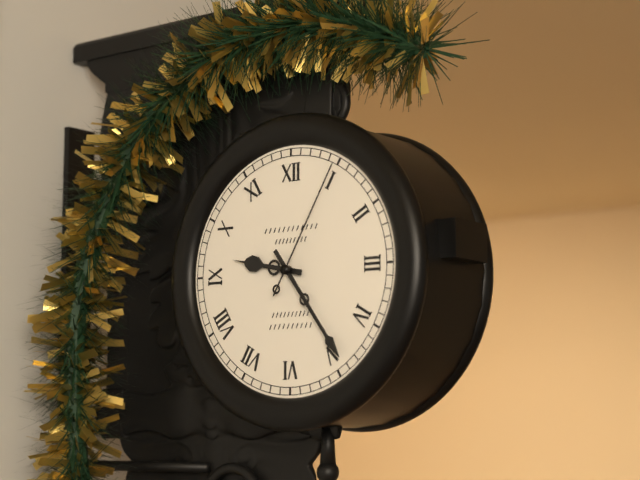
**9:24:05**
